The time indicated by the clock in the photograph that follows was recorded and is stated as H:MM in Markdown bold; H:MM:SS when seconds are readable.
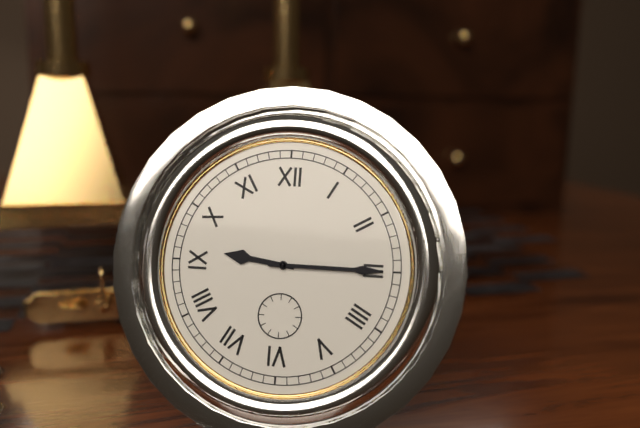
**9:15**
